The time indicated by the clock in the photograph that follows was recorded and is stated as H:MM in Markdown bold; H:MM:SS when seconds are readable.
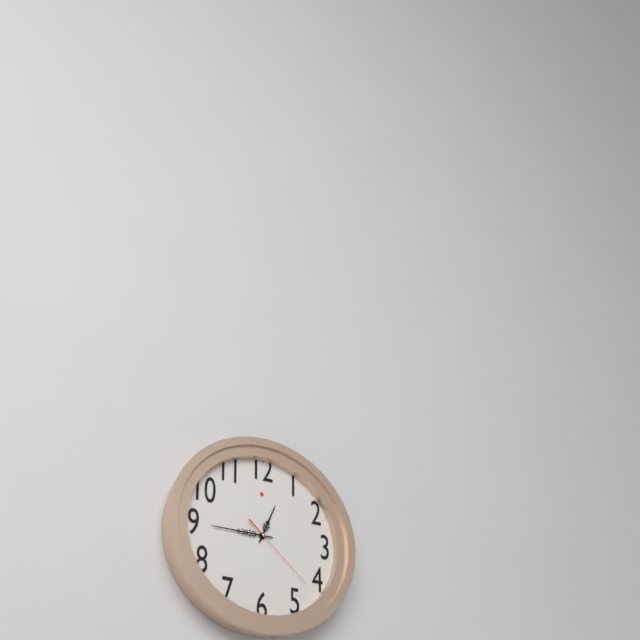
**12:45:22**
